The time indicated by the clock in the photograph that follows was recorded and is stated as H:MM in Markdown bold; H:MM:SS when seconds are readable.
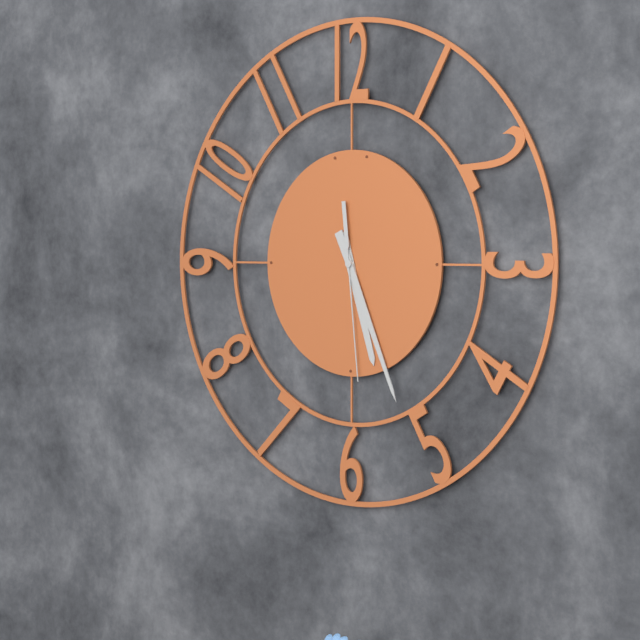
**5:26:29**
